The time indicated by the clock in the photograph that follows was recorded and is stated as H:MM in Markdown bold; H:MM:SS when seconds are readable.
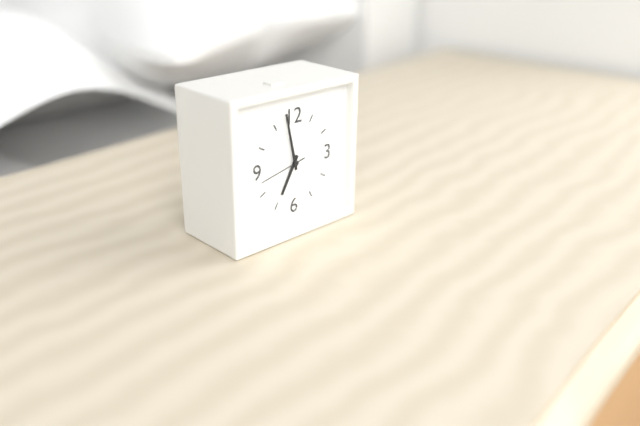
**6:58**
